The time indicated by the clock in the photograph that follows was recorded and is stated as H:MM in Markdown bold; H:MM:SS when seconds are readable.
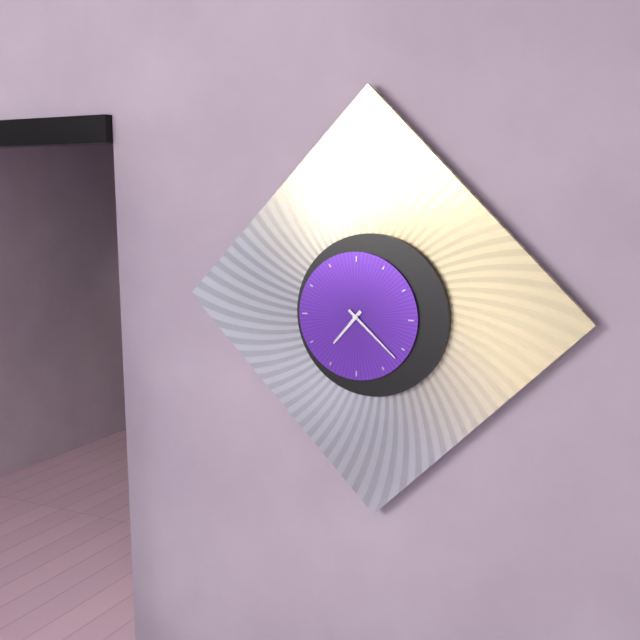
**7:22**
